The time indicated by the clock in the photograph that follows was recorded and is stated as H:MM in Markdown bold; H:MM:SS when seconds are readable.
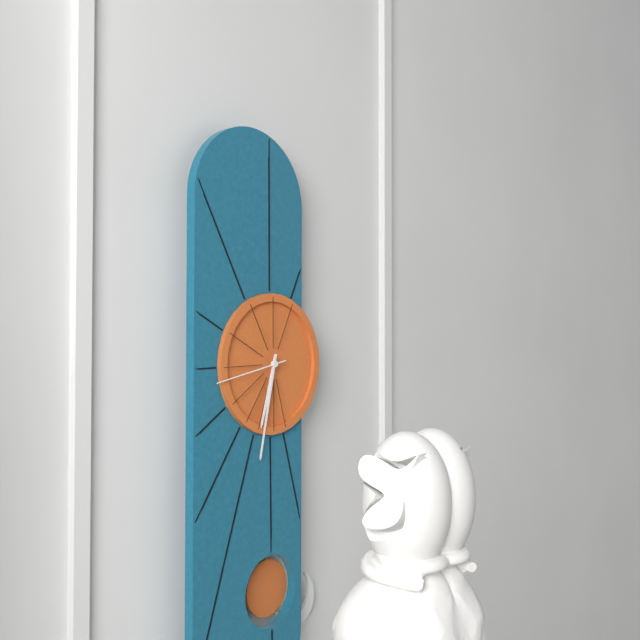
**6:32:43**
